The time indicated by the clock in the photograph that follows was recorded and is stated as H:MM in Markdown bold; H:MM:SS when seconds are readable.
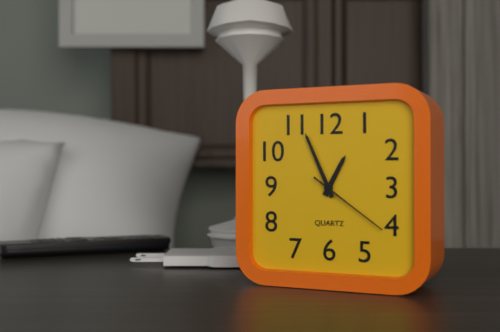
**12:56:21**
